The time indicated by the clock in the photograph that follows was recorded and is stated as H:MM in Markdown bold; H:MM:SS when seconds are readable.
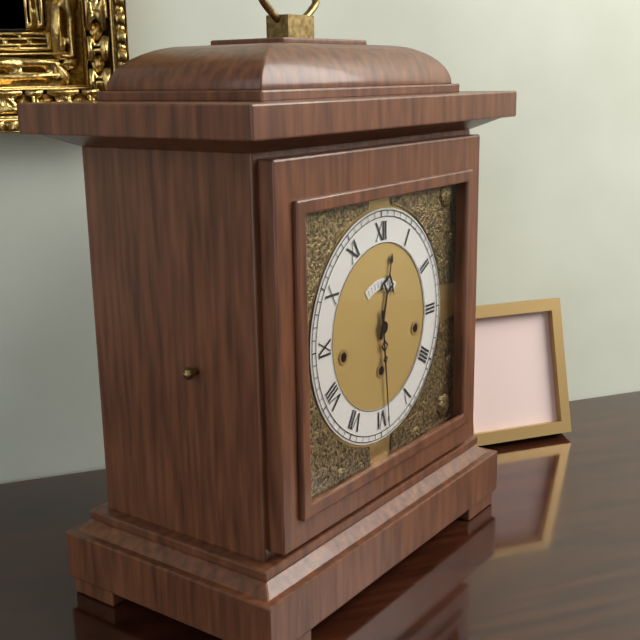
**12:29**
